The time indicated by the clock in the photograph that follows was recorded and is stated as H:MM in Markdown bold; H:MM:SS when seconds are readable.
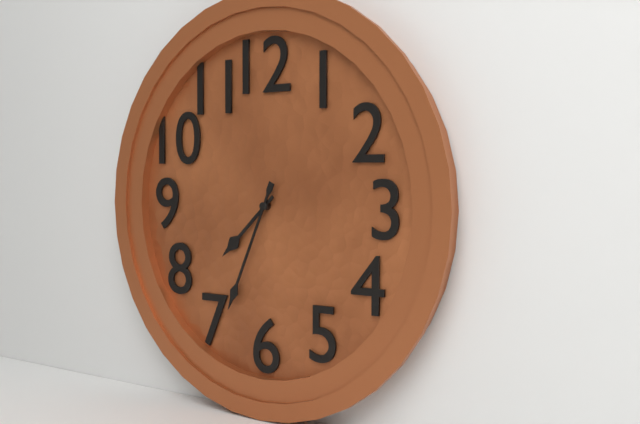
**7:34**
